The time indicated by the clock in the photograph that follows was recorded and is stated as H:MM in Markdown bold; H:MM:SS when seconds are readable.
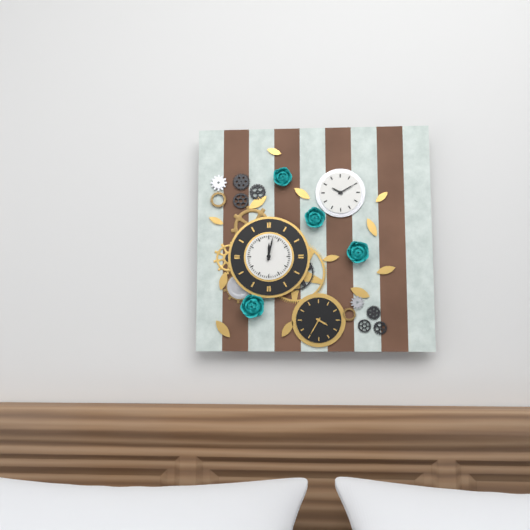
**12:02**
